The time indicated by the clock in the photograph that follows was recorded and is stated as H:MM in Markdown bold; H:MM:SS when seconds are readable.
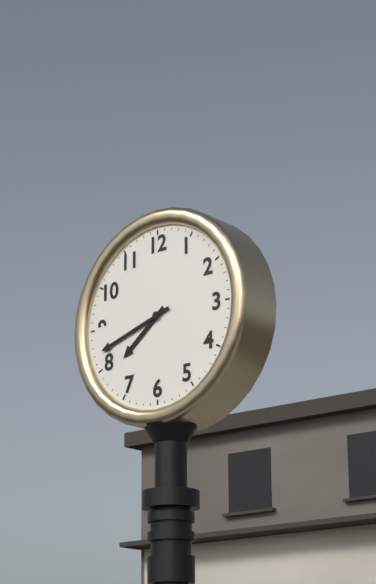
**7:42**
